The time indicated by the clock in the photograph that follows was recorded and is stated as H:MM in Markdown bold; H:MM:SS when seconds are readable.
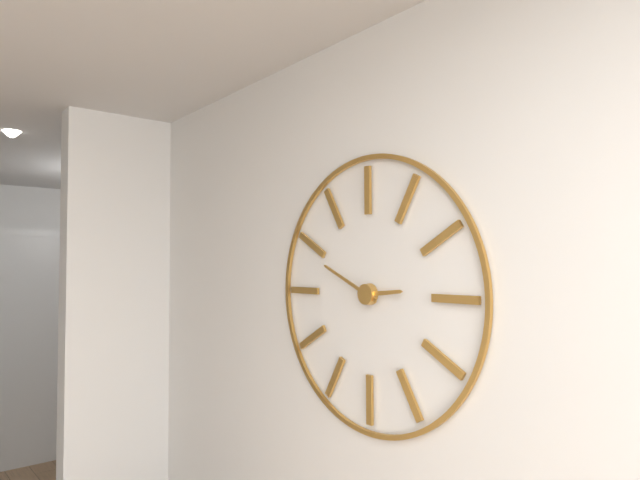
**2:49**
